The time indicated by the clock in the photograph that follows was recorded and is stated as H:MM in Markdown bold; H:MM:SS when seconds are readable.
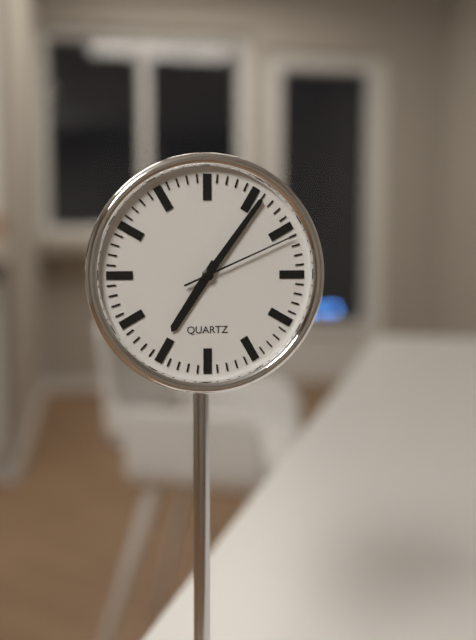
**7:06:11**
